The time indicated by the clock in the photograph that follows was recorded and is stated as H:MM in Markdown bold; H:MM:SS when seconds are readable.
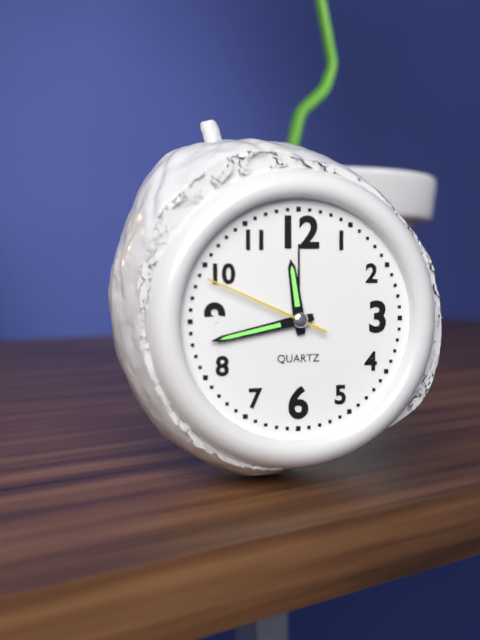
**11:43:49**
